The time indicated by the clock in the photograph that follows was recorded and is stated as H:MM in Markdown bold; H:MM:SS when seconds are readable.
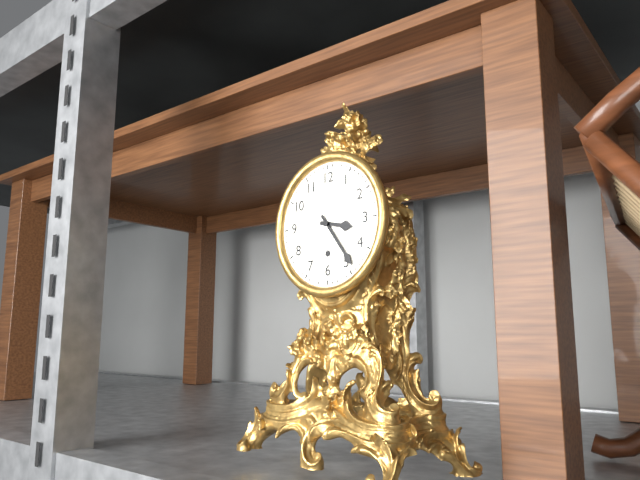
**3:24**
